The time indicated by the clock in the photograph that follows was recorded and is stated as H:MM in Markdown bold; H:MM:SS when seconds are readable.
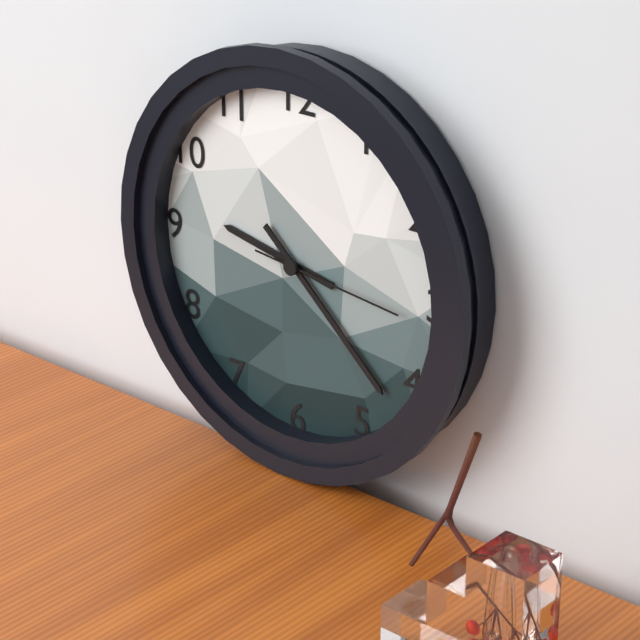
**9:22:16**
